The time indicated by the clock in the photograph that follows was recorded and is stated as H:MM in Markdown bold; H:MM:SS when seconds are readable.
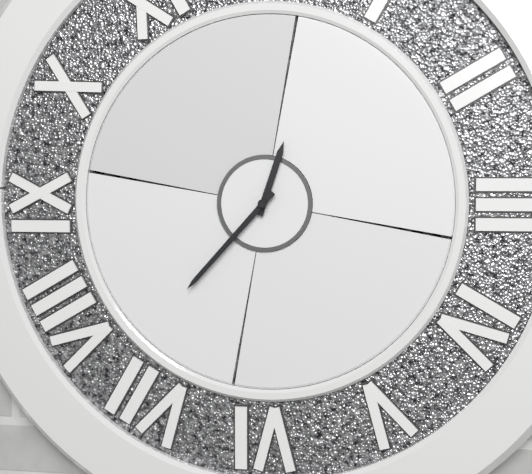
**12:37**
